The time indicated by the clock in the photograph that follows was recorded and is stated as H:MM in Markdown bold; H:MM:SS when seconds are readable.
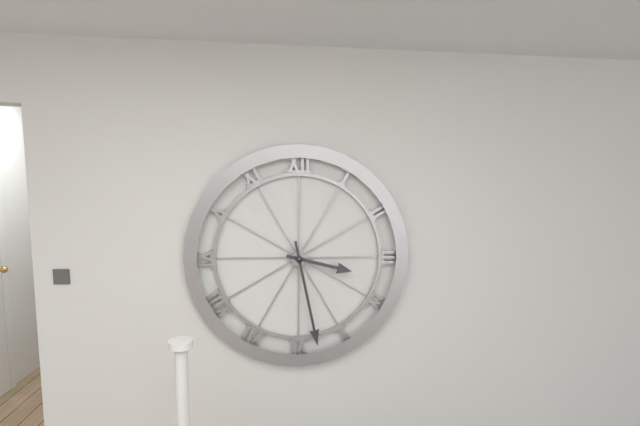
**3:28**
